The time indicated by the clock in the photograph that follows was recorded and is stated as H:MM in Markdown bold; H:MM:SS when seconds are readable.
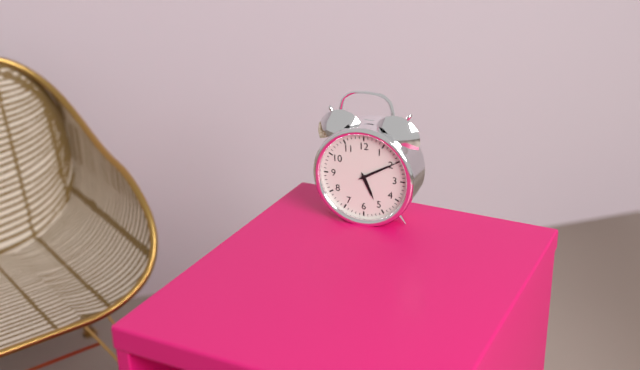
**5:10**
